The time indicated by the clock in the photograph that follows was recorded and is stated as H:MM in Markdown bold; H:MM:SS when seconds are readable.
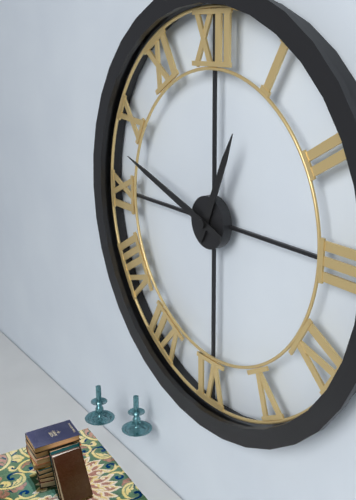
**12:48**
